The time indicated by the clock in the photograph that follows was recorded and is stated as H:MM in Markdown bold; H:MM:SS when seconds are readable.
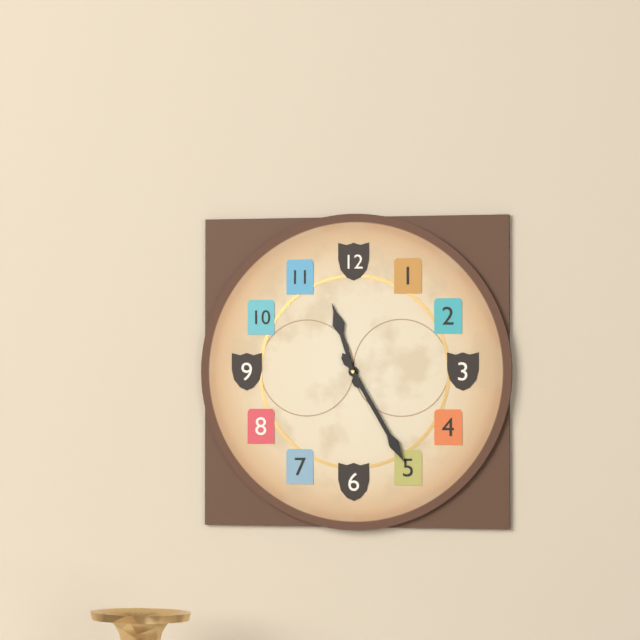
**11:25**
